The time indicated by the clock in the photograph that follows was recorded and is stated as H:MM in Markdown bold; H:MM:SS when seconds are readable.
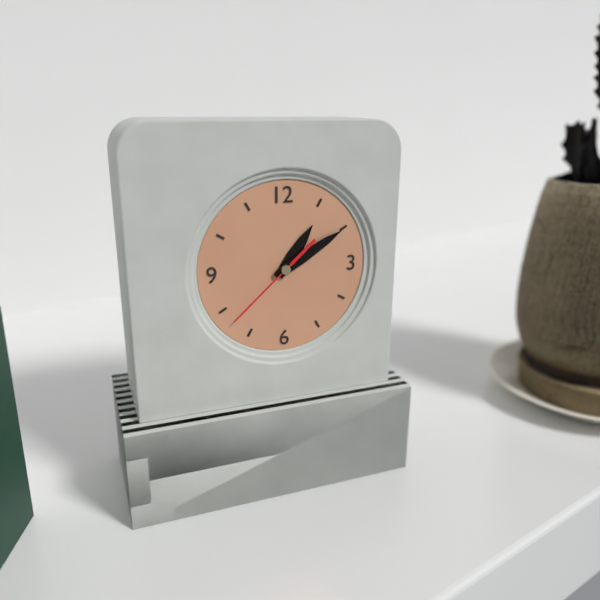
**1:10:38**
